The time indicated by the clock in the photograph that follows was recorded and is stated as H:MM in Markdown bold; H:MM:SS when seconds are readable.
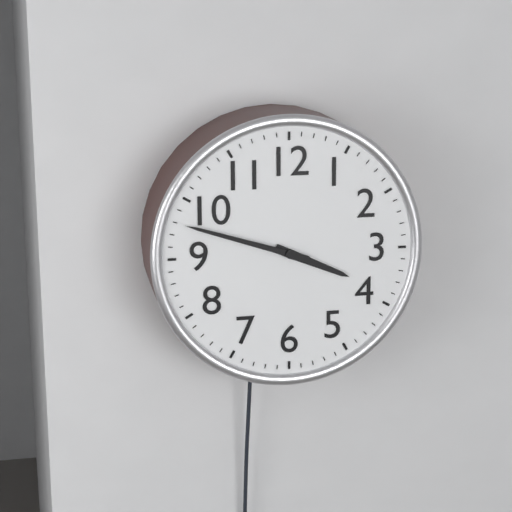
**3:48**
